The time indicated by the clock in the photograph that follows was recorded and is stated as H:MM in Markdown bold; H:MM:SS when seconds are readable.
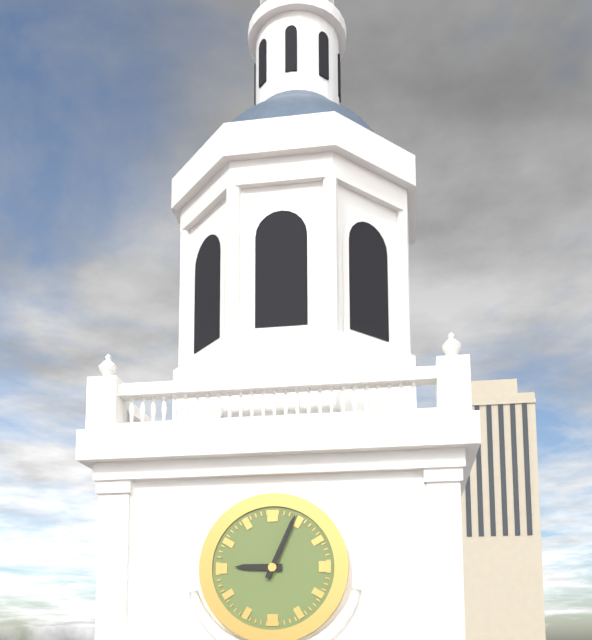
**9:04**
